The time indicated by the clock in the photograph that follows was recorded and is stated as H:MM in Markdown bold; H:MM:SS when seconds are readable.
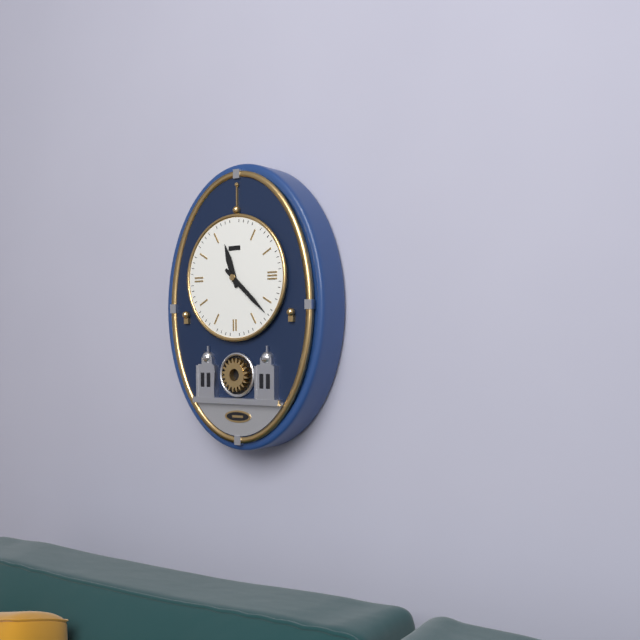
**11:22**
